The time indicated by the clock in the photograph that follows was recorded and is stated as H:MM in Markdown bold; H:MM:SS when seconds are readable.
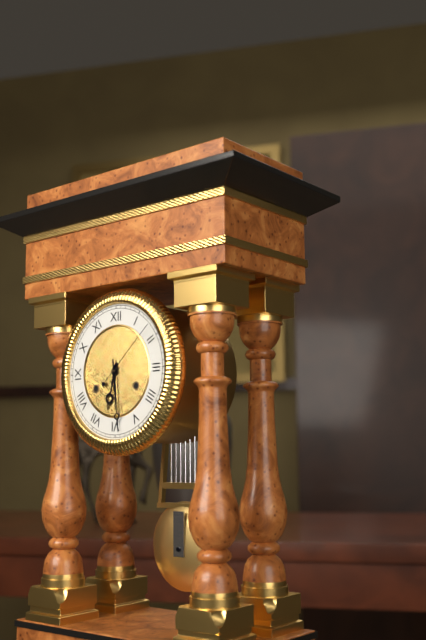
**6:29:08**
